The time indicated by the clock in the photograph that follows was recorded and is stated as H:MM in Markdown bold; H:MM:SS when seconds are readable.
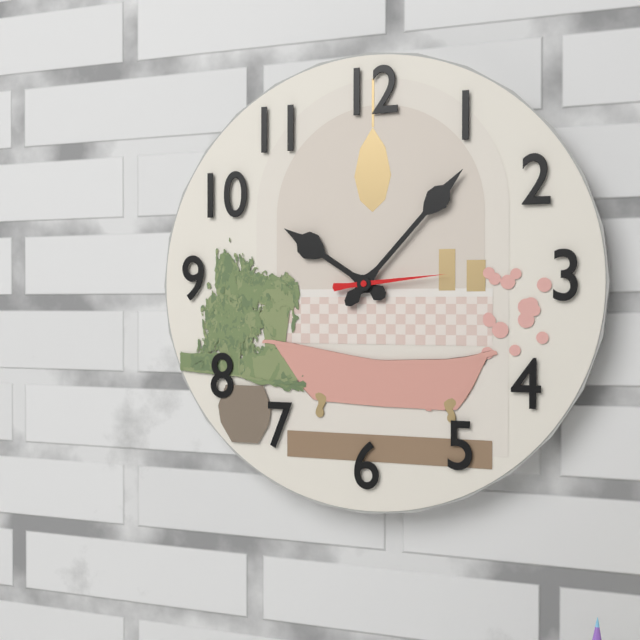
**10:07:14**
